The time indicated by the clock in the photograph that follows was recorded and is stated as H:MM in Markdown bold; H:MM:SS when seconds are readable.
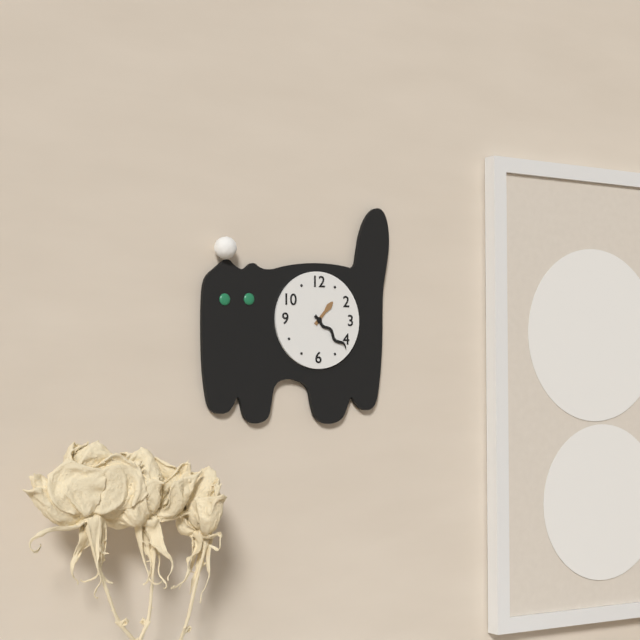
**1:22**
